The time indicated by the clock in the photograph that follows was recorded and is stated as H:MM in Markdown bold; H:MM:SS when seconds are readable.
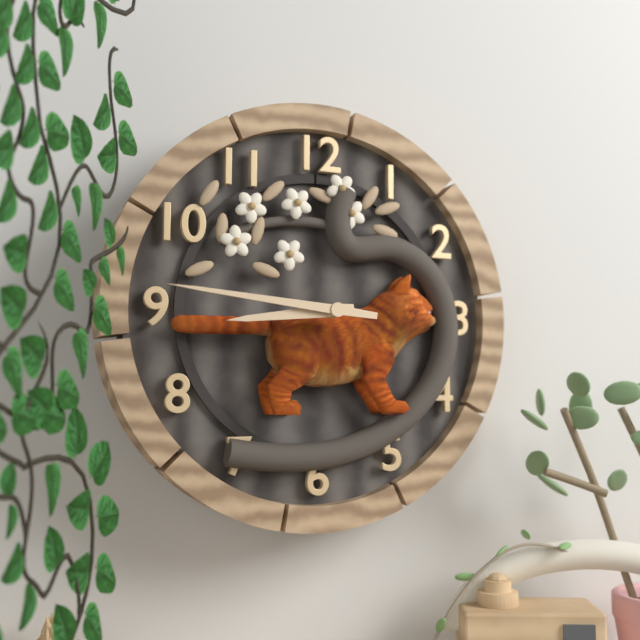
**8:46**
